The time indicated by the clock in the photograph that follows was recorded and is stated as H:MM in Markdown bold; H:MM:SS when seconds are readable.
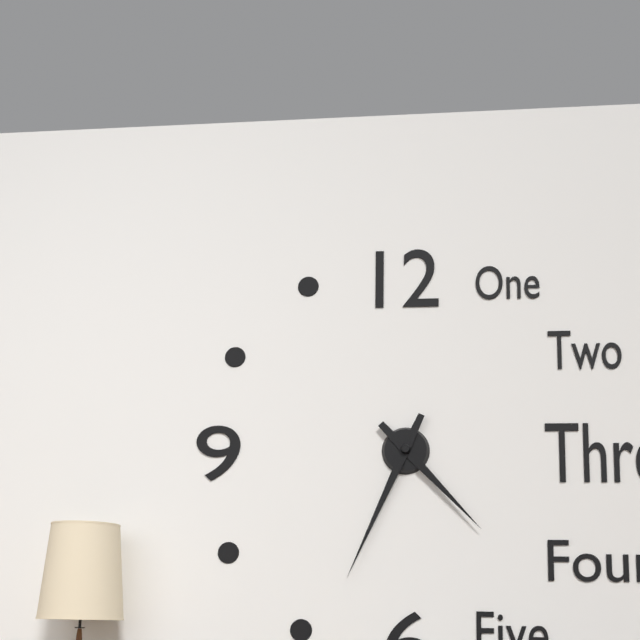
**4:34**
